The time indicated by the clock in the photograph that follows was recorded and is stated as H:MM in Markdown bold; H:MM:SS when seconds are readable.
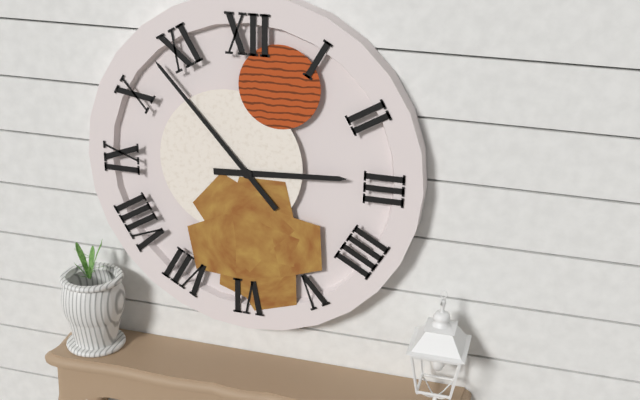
**2:53**
